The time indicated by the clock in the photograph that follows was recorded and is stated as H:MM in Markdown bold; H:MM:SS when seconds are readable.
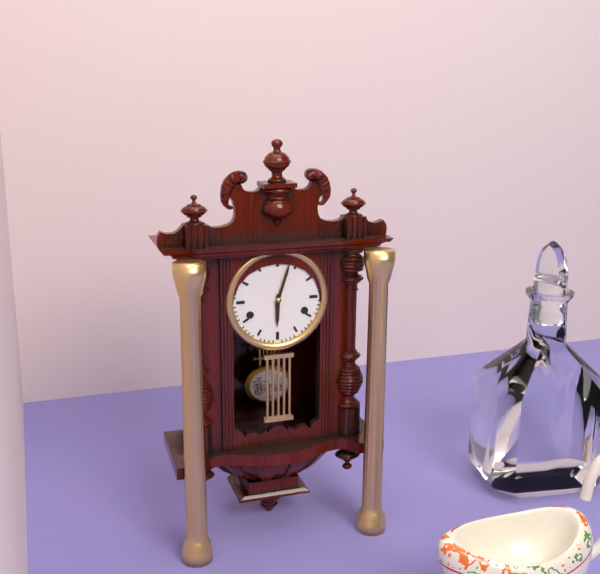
**6:03**
